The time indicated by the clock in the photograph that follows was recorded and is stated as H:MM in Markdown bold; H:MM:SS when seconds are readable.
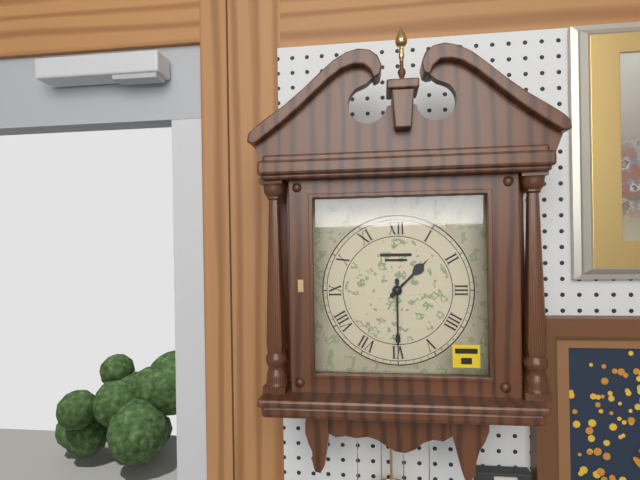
**1:30**
